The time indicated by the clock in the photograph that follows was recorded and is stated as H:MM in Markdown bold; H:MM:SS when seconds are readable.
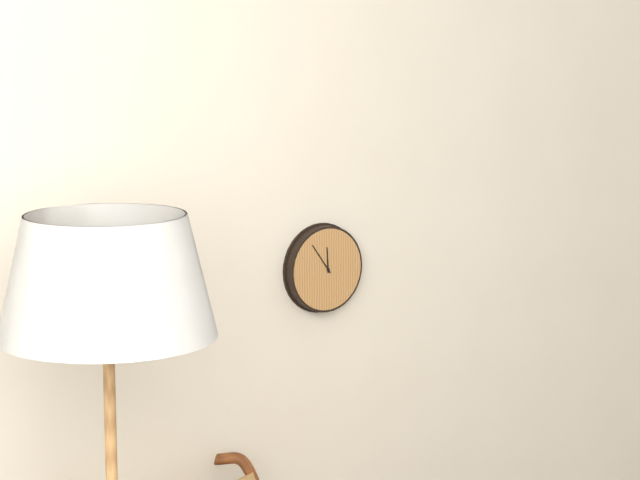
**11:54**
